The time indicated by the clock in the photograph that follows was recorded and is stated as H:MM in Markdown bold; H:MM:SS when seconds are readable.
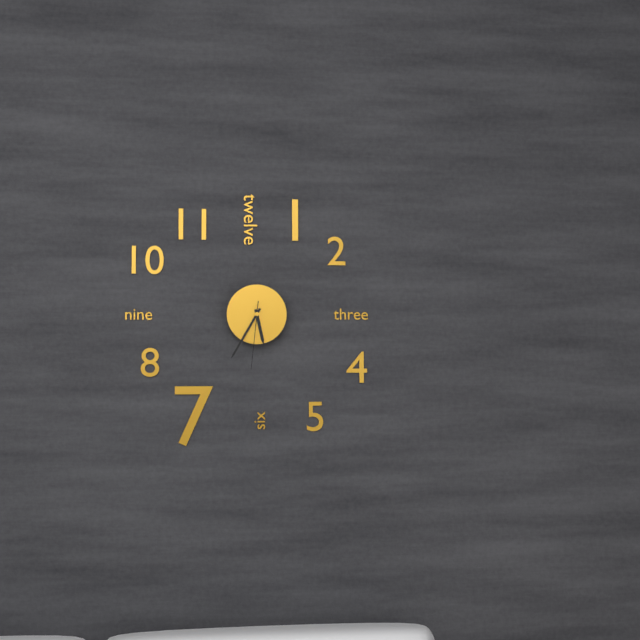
**5:35:31**
